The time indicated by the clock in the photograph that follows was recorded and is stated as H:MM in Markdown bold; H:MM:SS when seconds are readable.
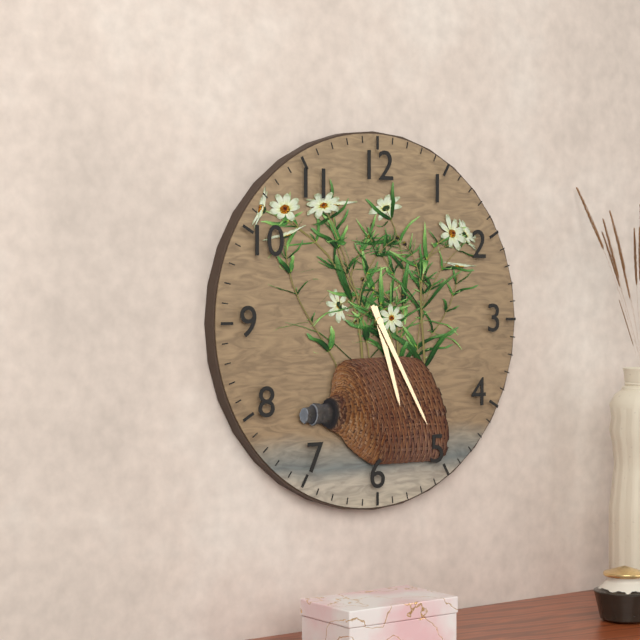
**5:25**
